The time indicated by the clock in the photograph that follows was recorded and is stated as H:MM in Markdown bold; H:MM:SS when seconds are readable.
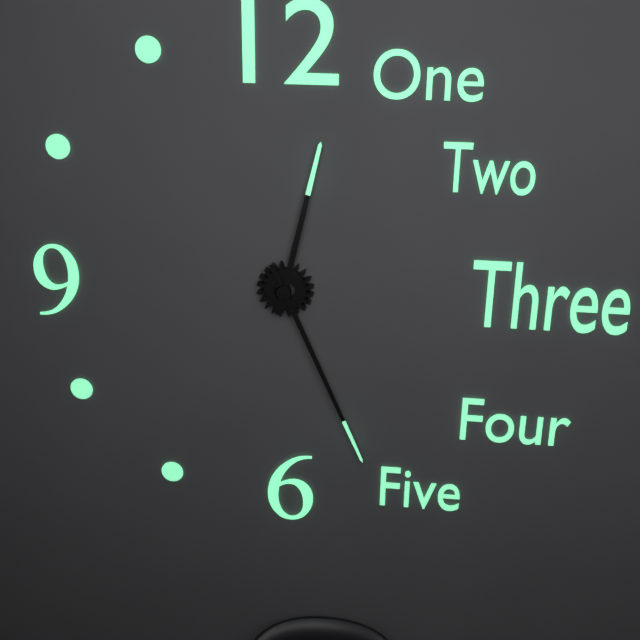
**12:26**
